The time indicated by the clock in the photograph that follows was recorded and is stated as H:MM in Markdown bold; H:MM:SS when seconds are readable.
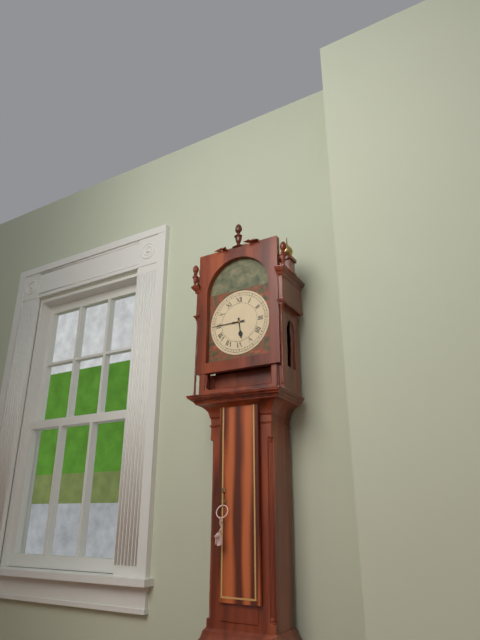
**5:45**
